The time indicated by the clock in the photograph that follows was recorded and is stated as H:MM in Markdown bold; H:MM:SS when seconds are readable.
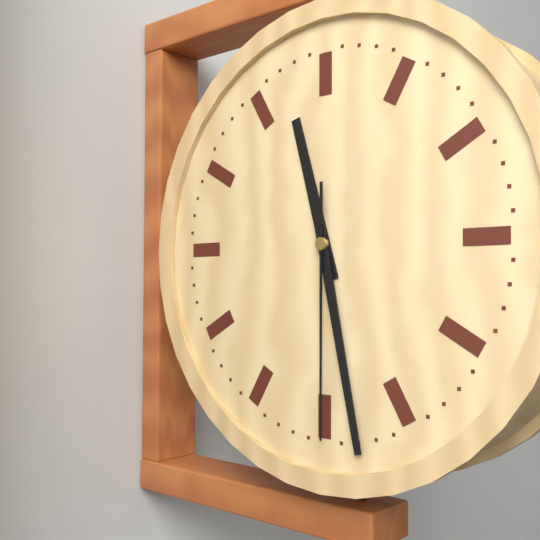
**11:28:30**
